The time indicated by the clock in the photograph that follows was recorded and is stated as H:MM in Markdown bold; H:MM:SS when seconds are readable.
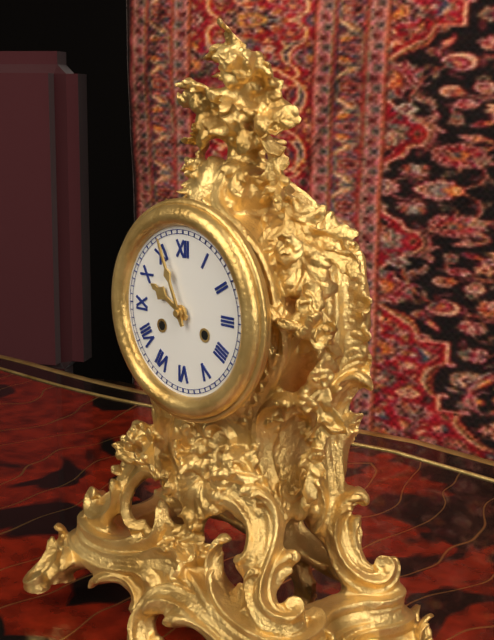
**9:56**
